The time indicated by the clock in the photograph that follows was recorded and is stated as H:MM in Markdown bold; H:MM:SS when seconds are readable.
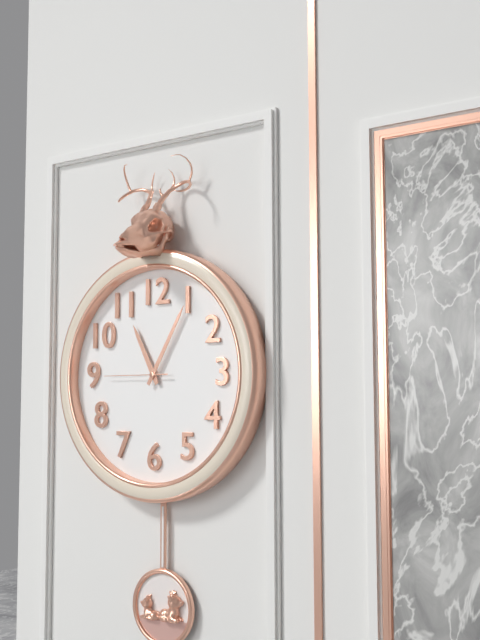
**11:05:45**
